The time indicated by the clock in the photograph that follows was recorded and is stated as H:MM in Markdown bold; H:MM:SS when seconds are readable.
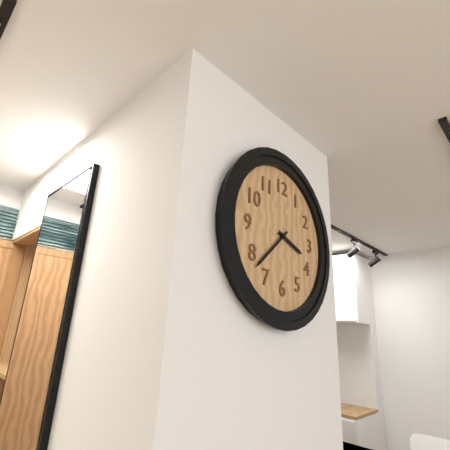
**3:38**
